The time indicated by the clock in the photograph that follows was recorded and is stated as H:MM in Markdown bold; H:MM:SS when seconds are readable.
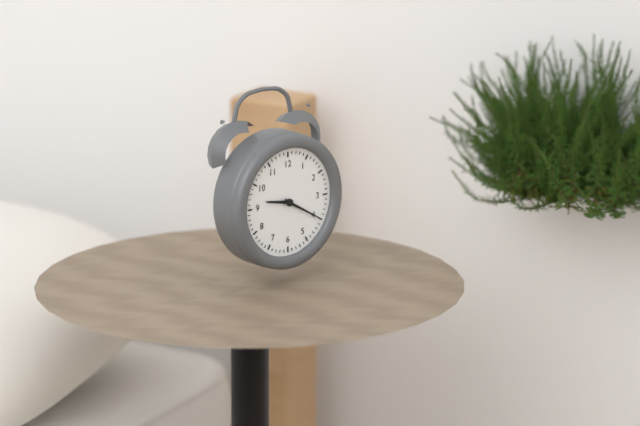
**9:20**
